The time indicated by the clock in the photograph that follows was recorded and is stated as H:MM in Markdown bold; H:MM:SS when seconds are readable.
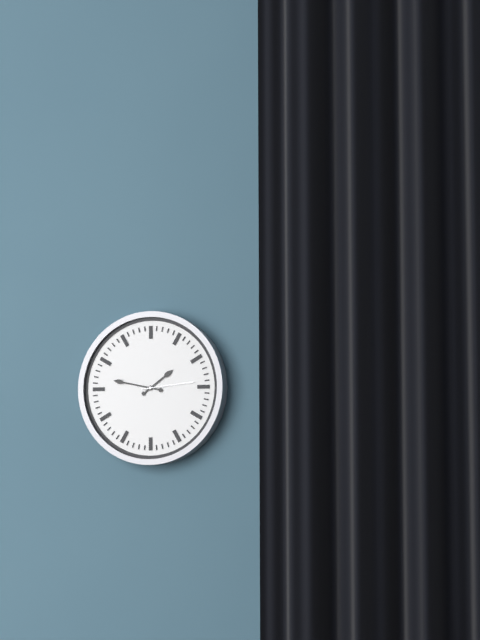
**1:47:14**
